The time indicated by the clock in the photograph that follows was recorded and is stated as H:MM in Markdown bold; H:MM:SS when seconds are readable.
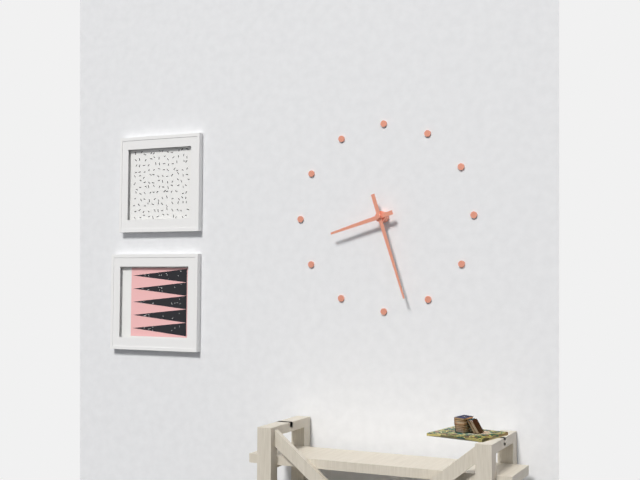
**8:27**
